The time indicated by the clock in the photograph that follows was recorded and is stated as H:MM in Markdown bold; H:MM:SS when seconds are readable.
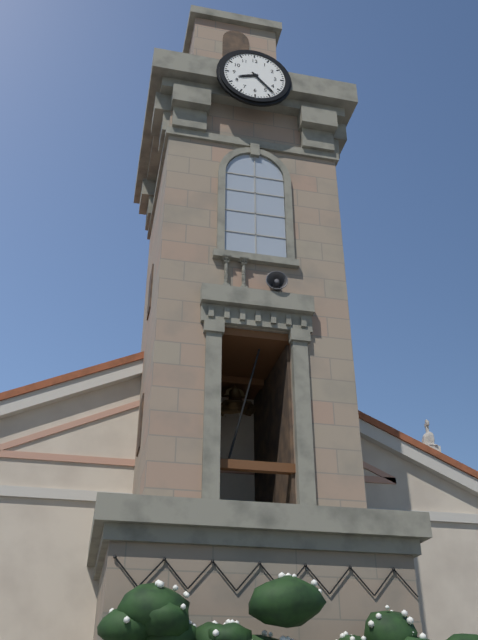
**8:23**
